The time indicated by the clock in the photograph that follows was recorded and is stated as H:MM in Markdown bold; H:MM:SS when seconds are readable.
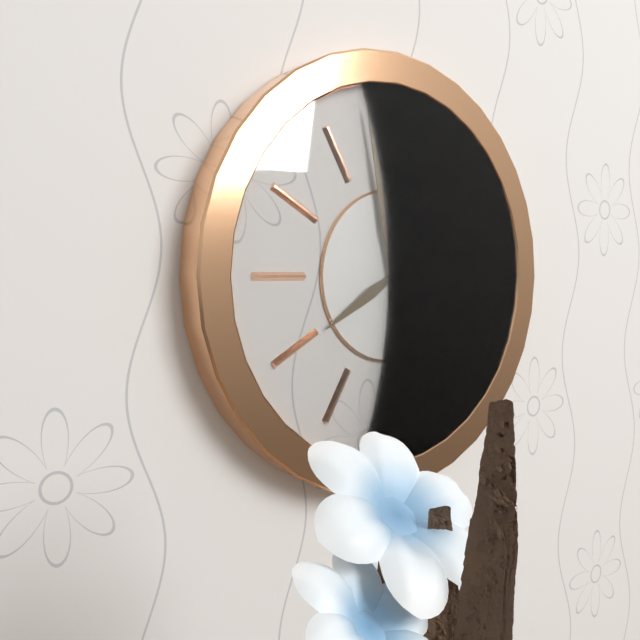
**7:58**
